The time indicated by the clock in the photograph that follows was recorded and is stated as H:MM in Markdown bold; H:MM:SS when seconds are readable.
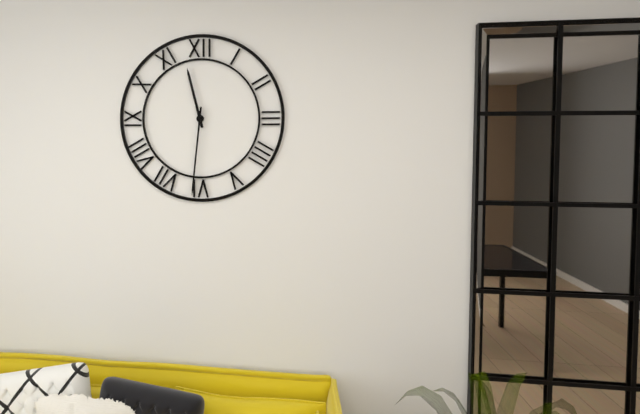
**11:31**
